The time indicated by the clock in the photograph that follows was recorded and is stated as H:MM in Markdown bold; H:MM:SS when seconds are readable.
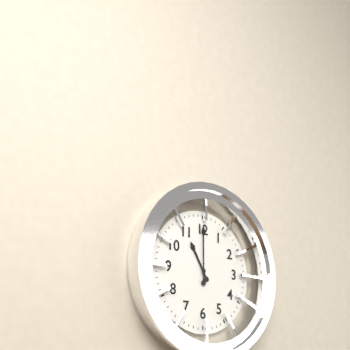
**11:00**
